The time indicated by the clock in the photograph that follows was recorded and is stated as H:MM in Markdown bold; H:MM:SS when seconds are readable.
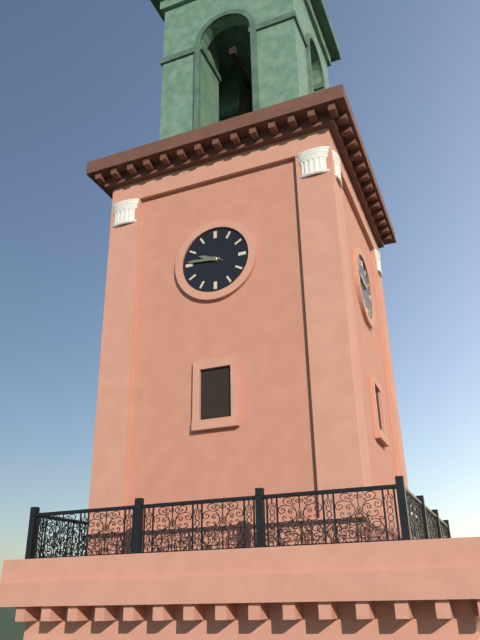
**9:46**
